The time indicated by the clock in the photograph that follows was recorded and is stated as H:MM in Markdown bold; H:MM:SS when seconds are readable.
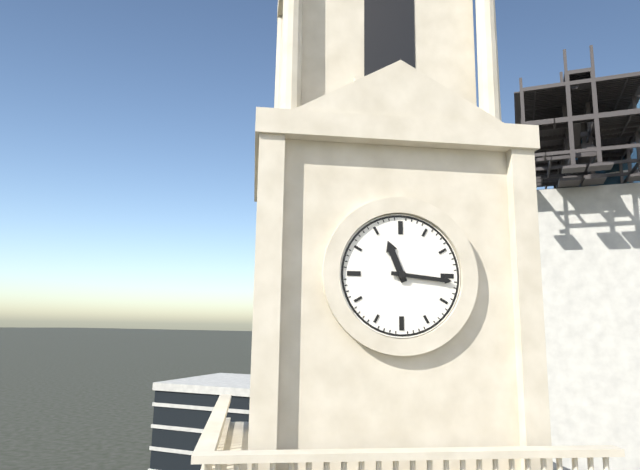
**11:16**
